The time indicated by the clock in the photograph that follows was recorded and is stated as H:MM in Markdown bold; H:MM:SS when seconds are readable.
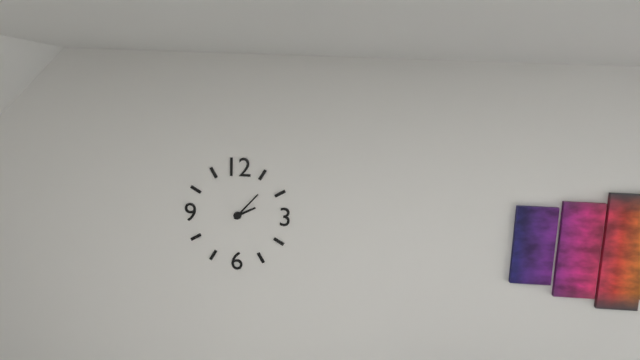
**2:07**
